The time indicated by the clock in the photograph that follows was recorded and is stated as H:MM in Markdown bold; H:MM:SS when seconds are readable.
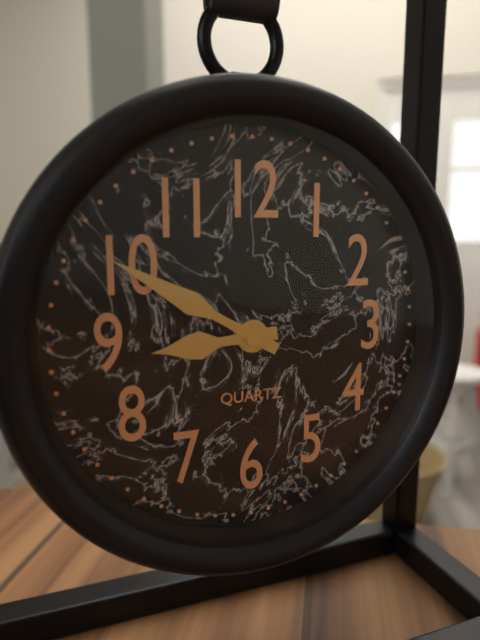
**8:50**
